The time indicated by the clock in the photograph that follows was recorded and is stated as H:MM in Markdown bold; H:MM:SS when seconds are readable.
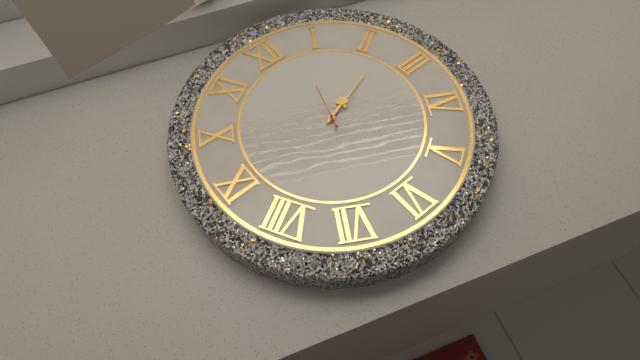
**2:12**
